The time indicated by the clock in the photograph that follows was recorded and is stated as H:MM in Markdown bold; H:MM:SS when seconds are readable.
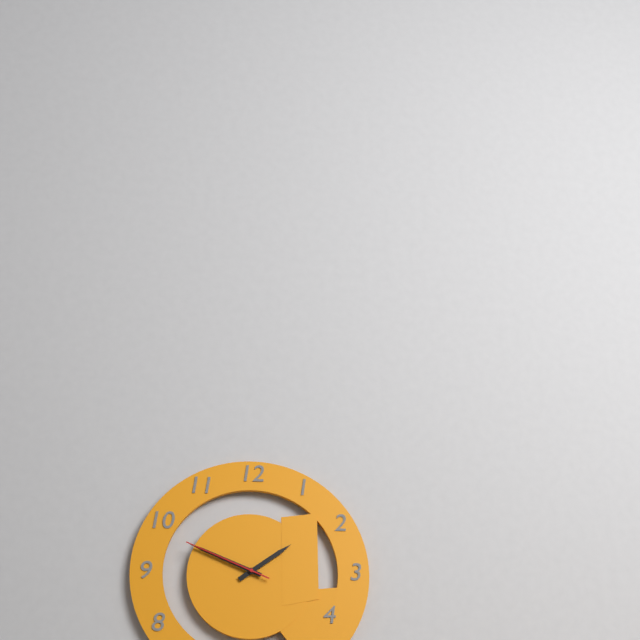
**1:49:49**
